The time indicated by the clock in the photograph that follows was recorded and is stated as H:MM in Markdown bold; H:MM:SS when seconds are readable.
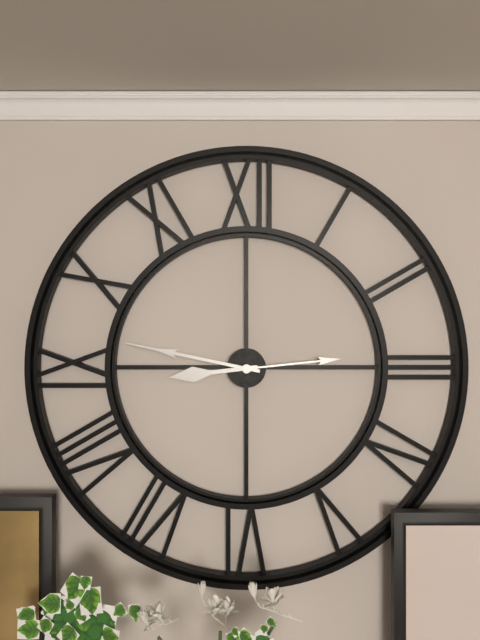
**8:47:14**
